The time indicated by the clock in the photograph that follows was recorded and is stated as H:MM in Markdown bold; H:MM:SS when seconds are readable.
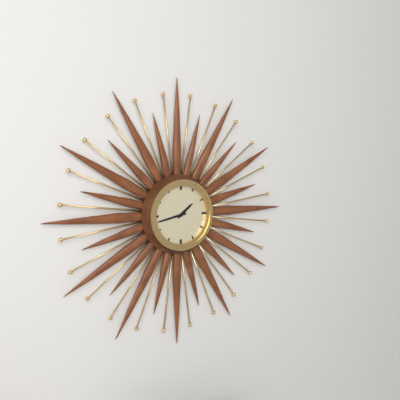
**1:43**
